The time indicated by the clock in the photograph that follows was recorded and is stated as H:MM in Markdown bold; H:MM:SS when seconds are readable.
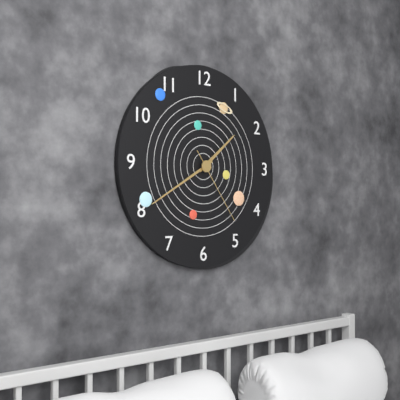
**1:40:24**
